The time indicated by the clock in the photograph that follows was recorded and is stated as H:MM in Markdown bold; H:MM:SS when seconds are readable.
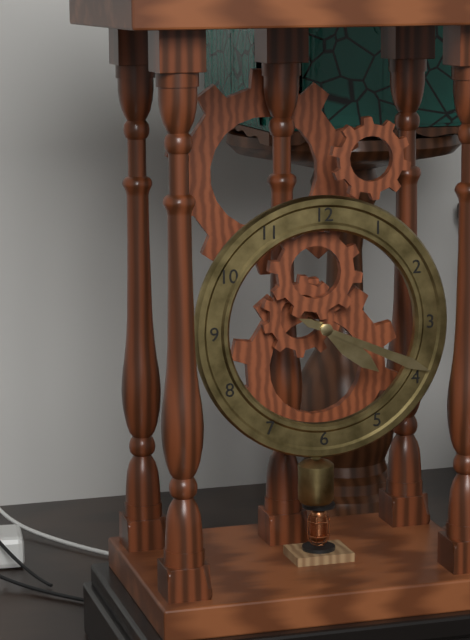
**4:19**
